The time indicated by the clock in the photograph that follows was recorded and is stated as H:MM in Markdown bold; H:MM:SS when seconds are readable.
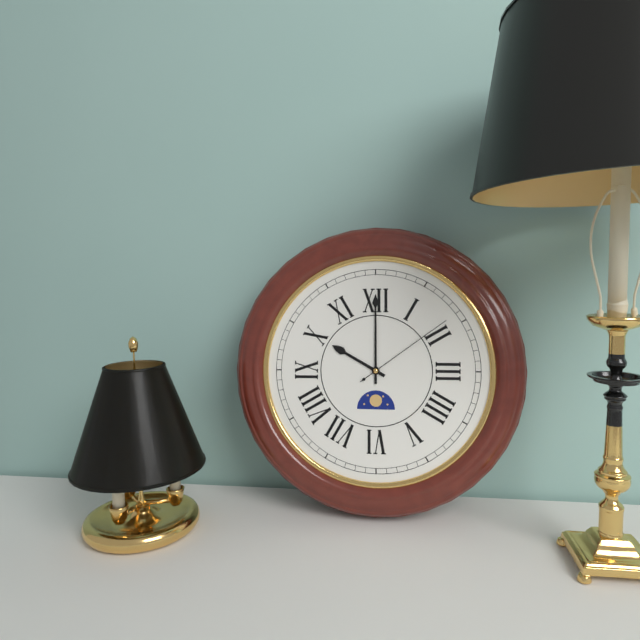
**10:00:09**
